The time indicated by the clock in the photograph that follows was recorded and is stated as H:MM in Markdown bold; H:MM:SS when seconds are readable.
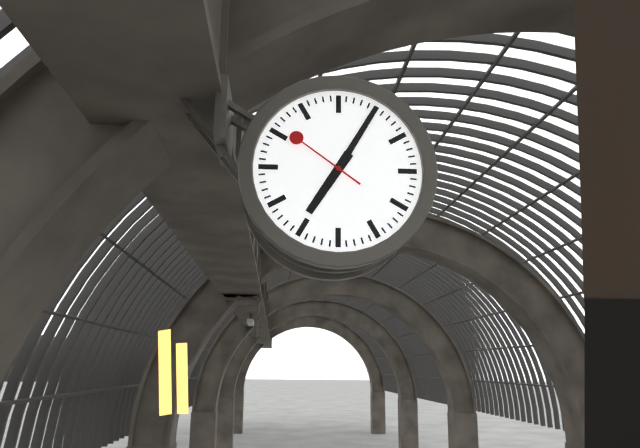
**7:05:51**
